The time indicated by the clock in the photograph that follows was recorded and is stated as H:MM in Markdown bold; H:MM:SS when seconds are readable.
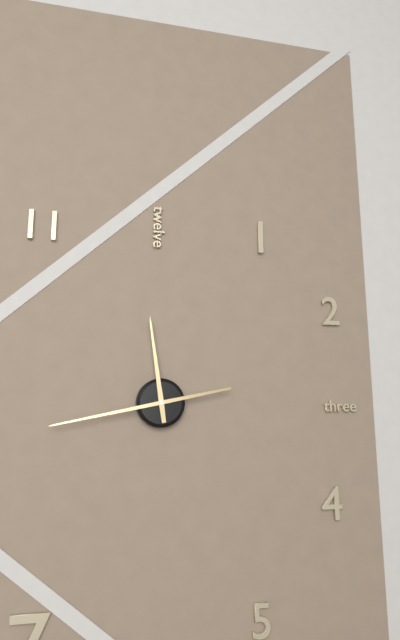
**11:43**
